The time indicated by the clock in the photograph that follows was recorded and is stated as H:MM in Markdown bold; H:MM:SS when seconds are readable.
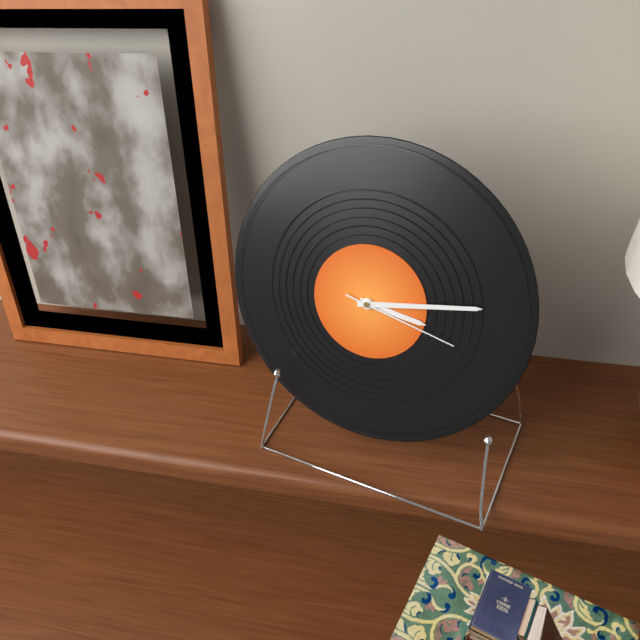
**3:13:17**
